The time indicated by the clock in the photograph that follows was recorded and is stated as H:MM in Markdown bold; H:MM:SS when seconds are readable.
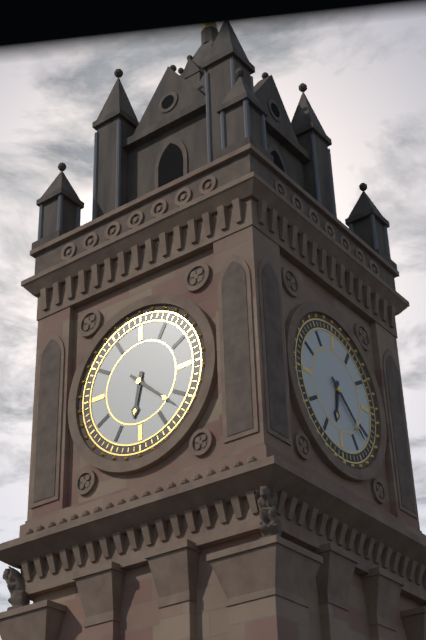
**6:22**
